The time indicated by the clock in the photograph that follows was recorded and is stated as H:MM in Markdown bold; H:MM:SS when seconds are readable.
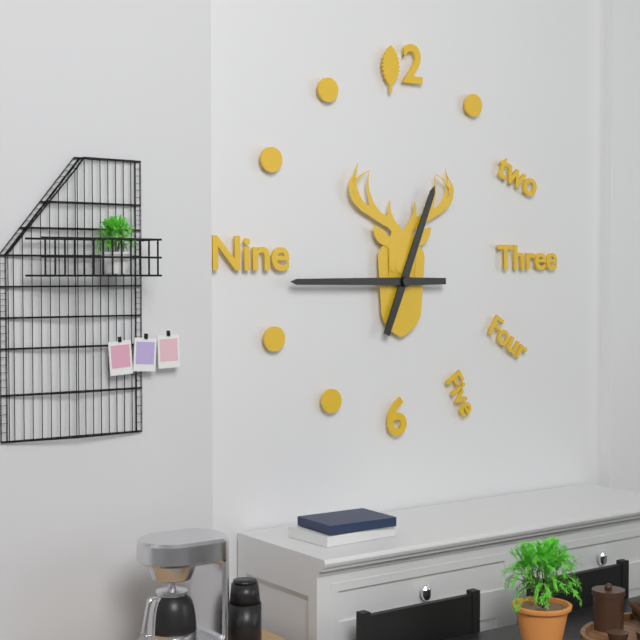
**12:45**
